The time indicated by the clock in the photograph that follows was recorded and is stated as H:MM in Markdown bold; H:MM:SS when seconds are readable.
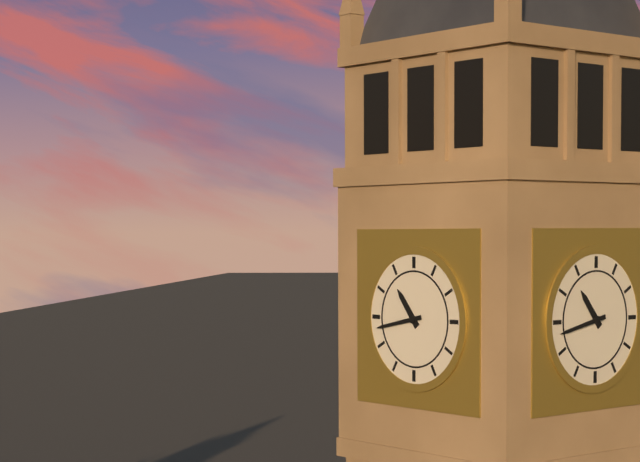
**10:43**
